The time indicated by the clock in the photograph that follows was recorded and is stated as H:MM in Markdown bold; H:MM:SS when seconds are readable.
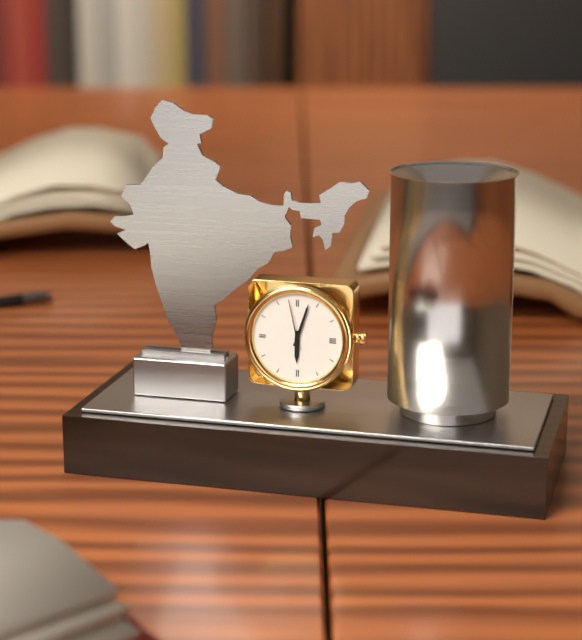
**6:03:58**
